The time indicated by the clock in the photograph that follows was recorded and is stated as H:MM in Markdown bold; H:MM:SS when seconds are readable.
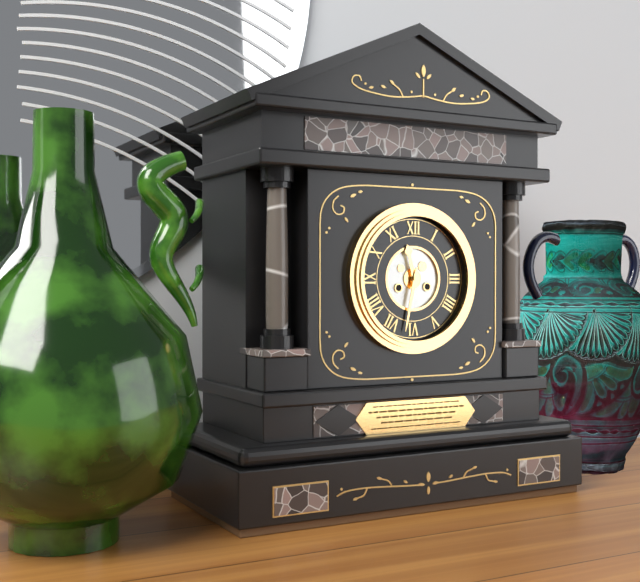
**11:32**
